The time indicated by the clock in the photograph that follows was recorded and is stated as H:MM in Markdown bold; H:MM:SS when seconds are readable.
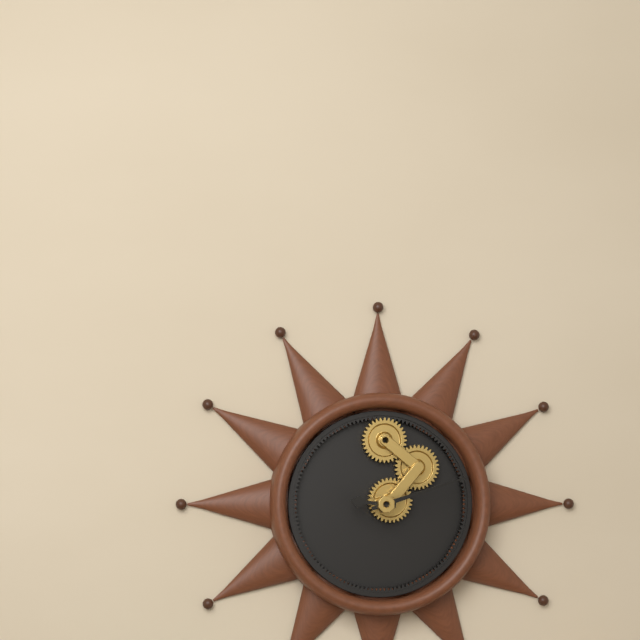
**9:12**
